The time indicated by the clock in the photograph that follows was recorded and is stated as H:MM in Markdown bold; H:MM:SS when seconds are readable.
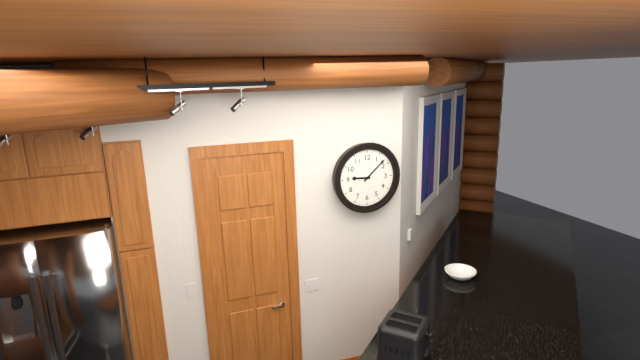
**9:08**
